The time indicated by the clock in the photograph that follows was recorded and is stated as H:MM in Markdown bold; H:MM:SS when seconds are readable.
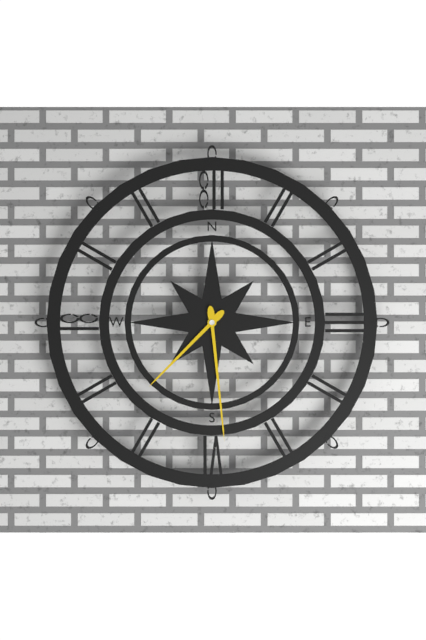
**7:29**
